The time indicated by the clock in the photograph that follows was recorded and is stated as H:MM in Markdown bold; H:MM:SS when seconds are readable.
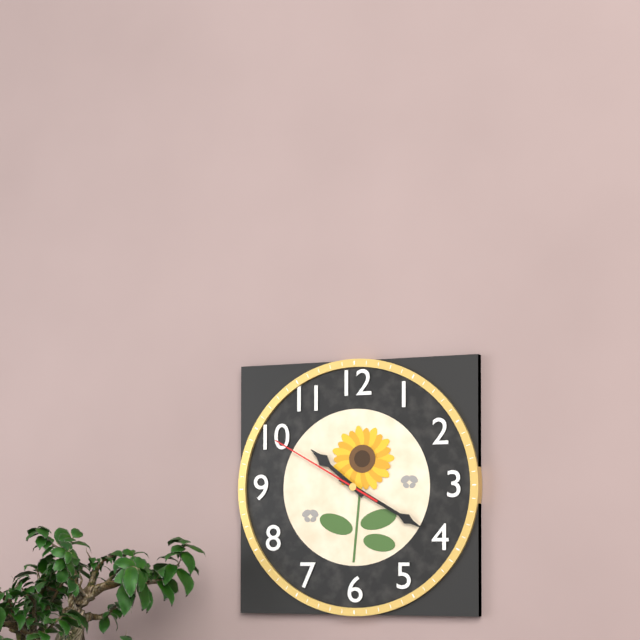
**10:20:50**
